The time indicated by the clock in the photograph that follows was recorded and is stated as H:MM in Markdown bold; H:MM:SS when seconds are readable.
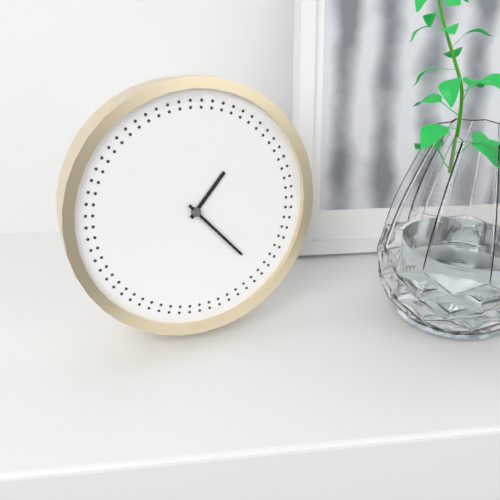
**1:23**
